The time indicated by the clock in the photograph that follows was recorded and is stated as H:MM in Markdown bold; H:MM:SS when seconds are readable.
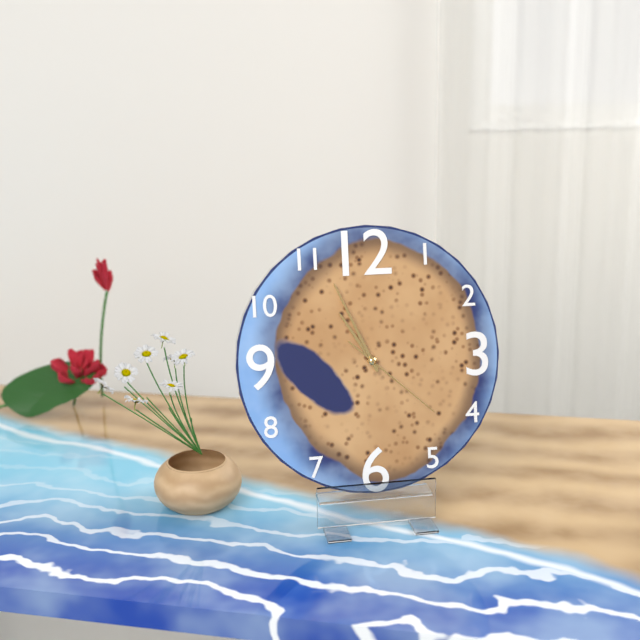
**10:56:22**
